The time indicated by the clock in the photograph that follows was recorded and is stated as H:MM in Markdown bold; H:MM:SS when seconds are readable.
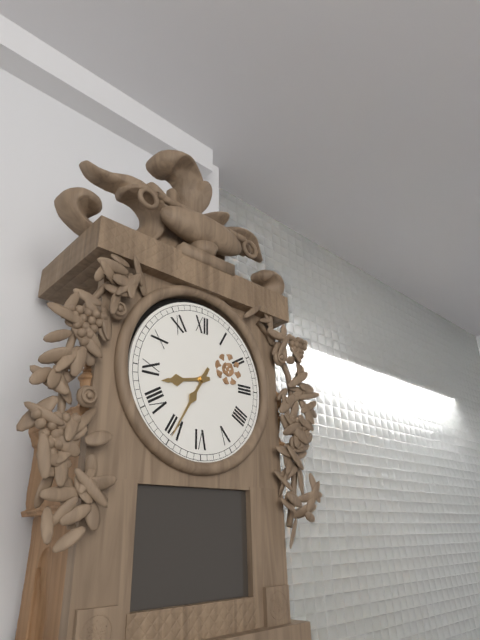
**8:35**
